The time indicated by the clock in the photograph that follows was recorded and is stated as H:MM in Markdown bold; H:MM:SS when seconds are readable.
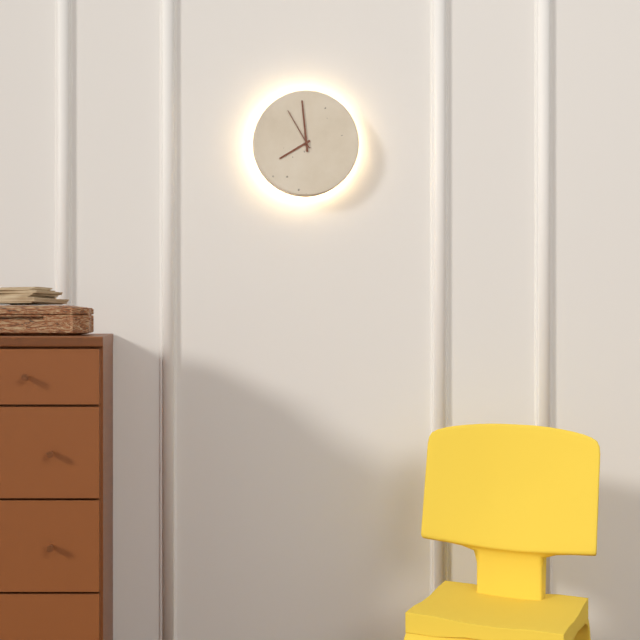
**7:59**
